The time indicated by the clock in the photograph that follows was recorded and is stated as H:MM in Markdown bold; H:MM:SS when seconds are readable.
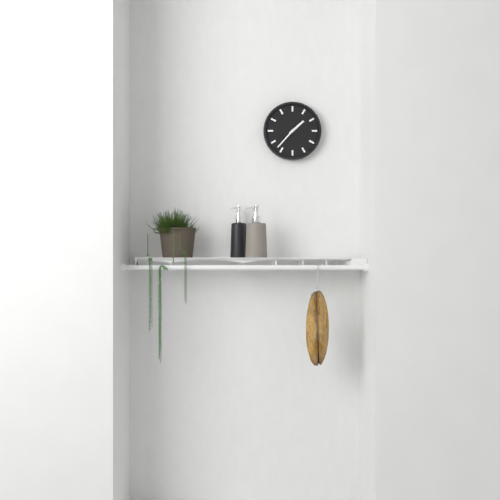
**1:37**
